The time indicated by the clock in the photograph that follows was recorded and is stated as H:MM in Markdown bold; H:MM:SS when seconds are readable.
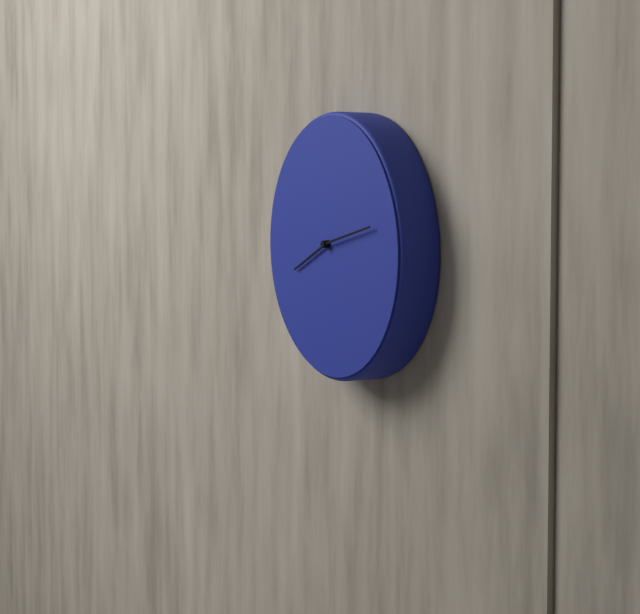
**8:13**
